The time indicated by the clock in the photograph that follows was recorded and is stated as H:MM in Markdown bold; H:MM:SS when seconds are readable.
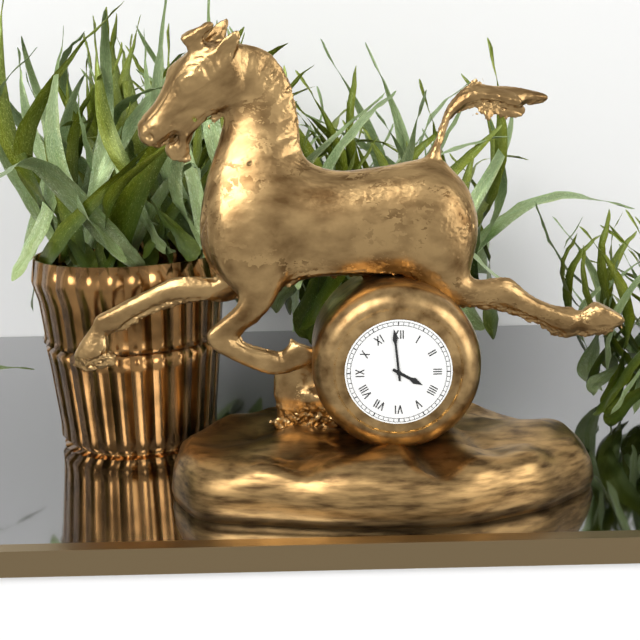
**3:59**
